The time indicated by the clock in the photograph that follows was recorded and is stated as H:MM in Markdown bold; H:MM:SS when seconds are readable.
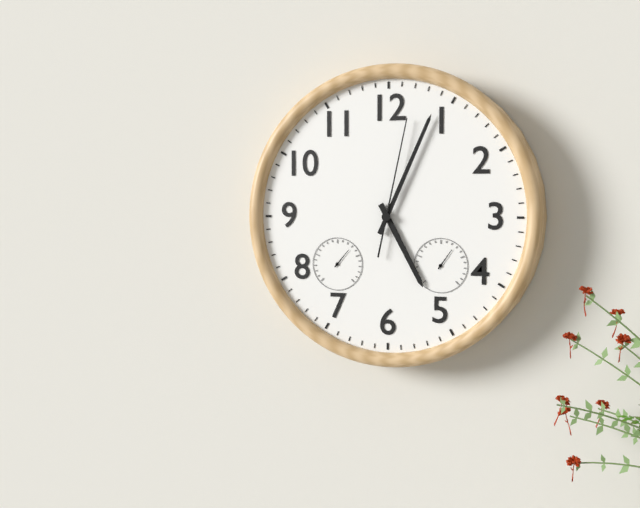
**5:04:02**
